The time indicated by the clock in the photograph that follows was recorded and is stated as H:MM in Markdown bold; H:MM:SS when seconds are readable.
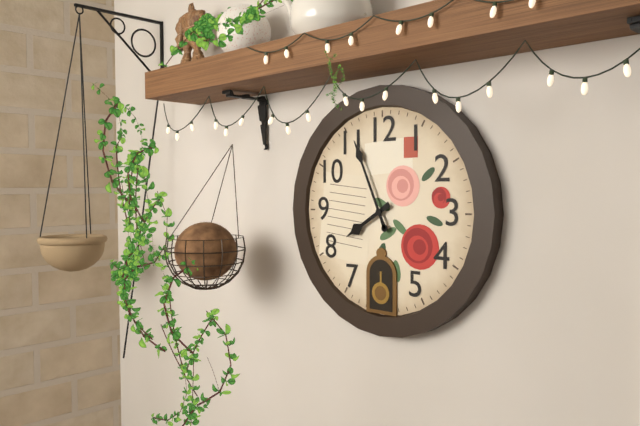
**7:56**
